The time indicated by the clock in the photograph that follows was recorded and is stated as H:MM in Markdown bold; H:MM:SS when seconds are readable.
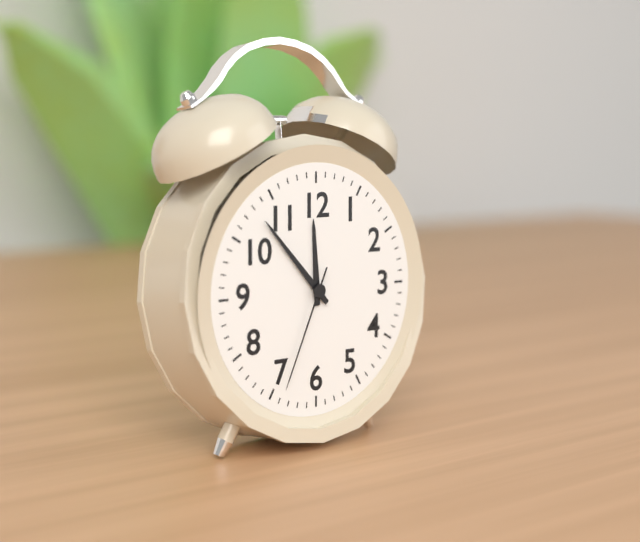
**11:53:34**
